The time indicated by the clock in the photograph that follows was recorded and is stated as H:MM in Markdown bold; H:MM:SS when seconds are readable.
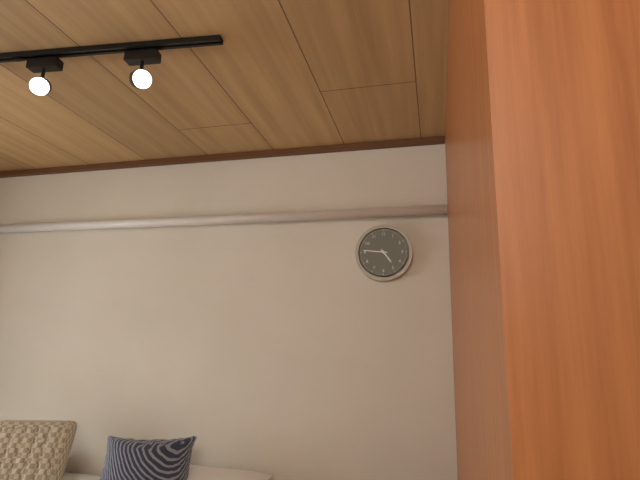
**4:46**
